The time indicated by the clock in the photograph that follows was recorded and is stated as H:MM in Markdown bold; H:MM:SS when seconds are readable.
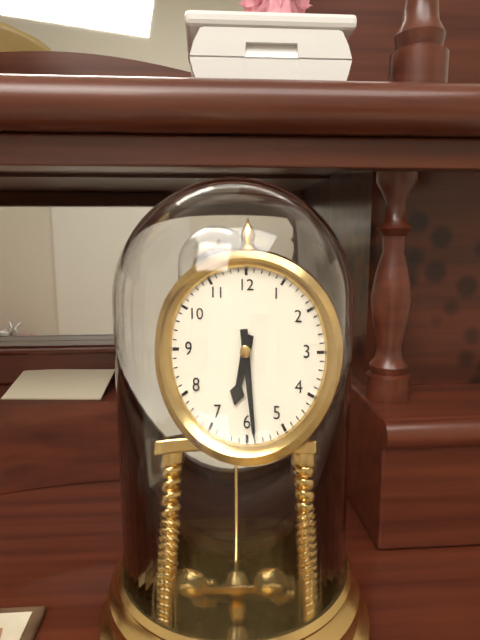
**6:29**
